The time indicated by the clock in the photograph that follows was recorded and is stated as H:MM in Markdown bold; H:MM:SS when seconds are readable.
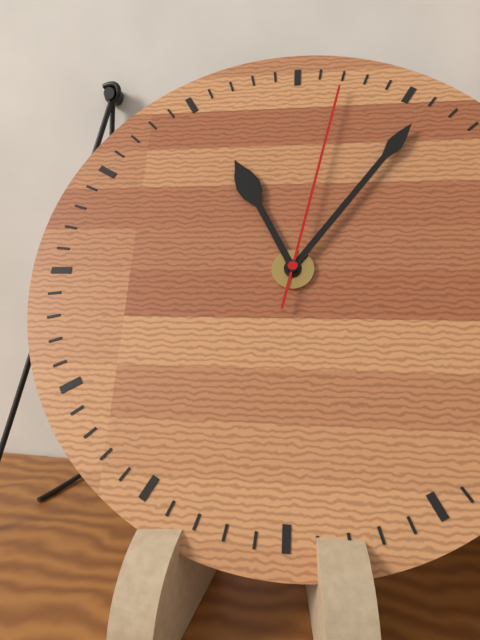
**11:06:02**
